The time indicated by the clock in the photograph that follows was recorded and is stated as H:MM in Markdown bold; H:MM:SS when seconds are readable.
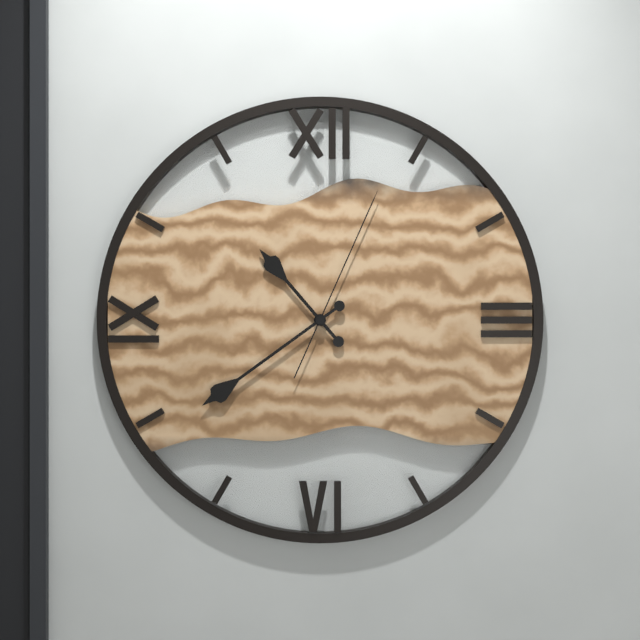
**10:39:04**
